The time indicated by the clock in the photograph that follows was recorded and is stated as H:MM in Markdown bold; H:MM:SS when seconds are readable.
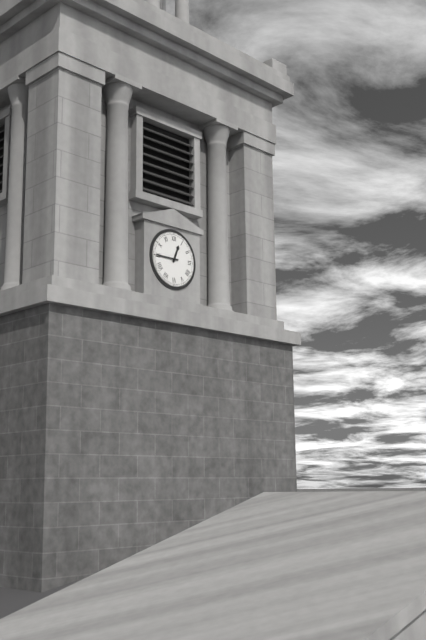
**12:45**
